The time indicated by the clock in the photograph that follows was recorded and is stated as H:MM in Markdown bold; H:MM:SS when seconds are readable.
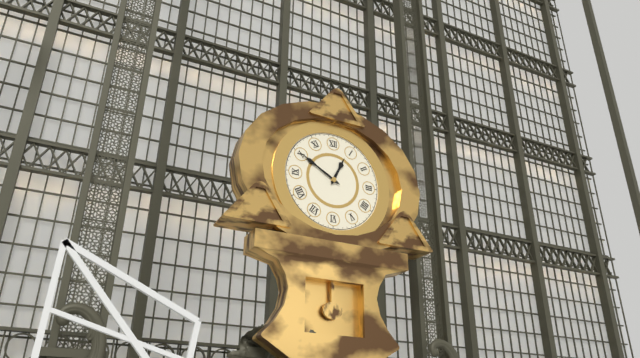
**12:50**
